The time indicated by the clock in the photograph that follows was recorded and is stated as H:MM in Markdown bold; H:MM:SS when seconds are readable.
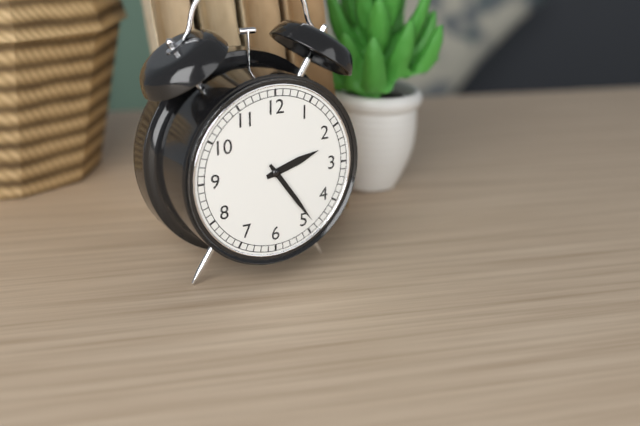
**2:24**
